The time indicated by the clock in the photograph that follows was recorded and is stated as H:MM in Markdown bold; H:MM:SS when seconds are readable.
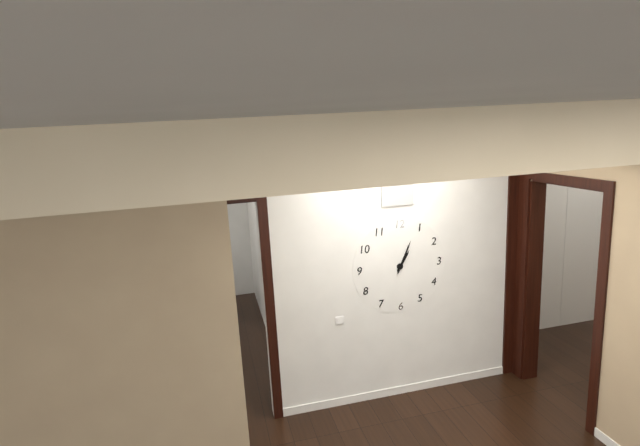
**1:04**
